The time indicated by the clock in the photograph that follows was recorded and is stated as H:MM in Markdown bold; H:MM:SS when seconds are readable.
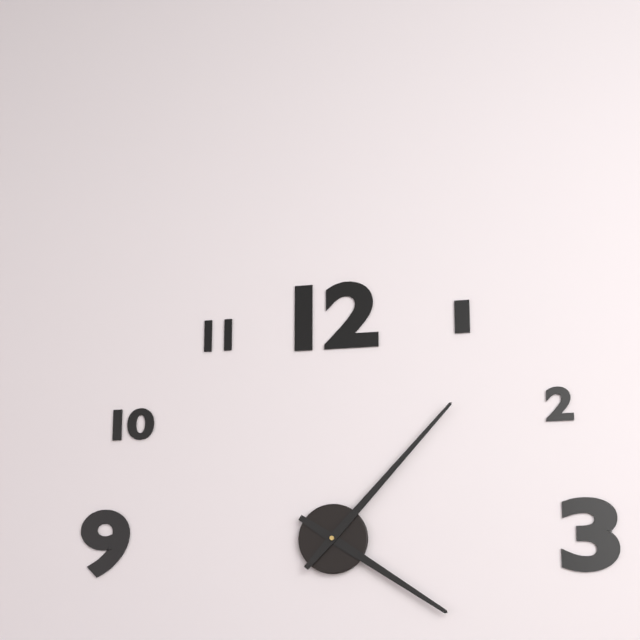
**4:07**
